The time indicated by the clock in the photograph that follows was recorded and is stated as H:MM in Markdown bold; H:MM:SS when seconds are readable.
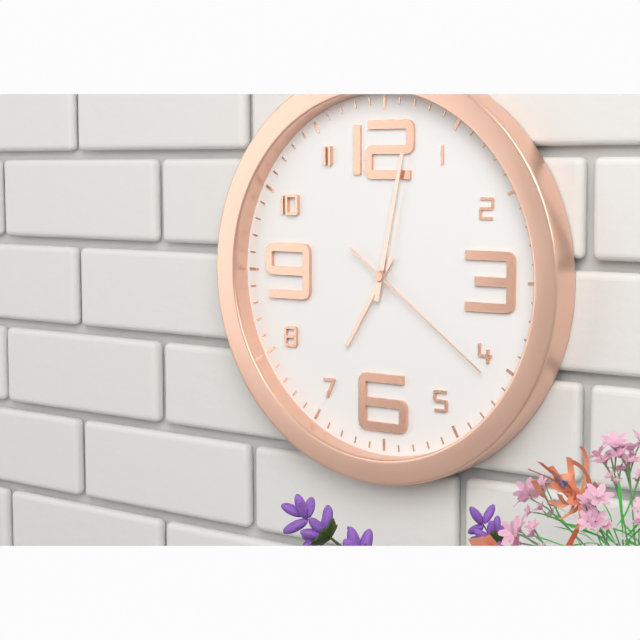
**7:02:21**
